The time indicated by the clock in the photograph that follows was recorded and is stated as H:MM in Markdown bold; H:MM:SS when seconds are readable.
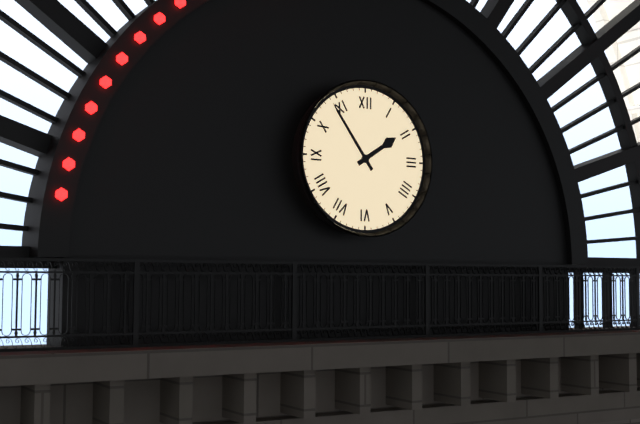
**1:54**
